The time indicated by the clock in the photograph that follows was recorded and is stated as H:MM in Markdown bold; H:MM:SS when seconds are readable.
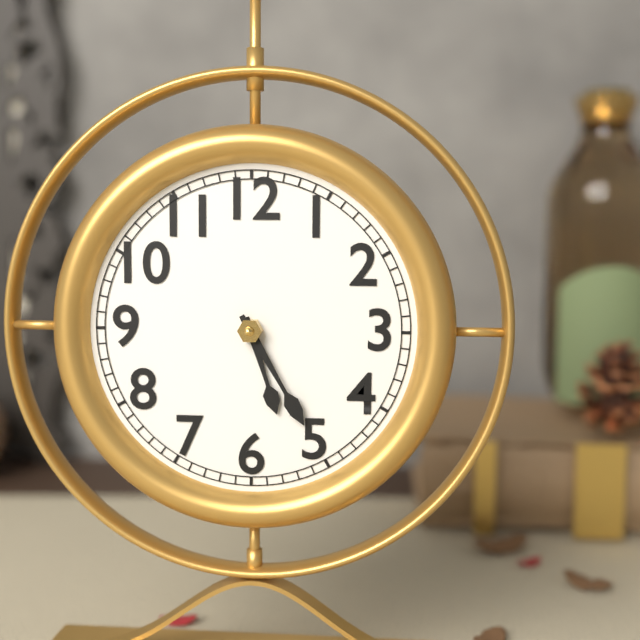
**5:25**
